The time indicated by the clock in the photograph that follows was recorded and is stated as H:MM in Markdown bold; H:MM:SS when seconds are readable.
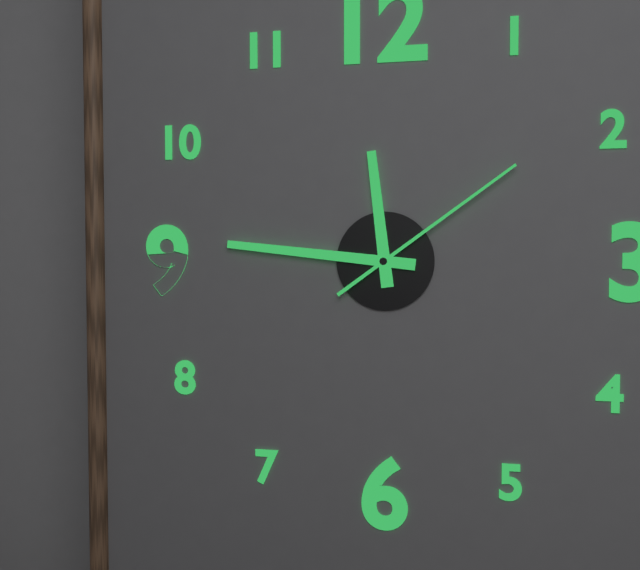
**11:46:09**
